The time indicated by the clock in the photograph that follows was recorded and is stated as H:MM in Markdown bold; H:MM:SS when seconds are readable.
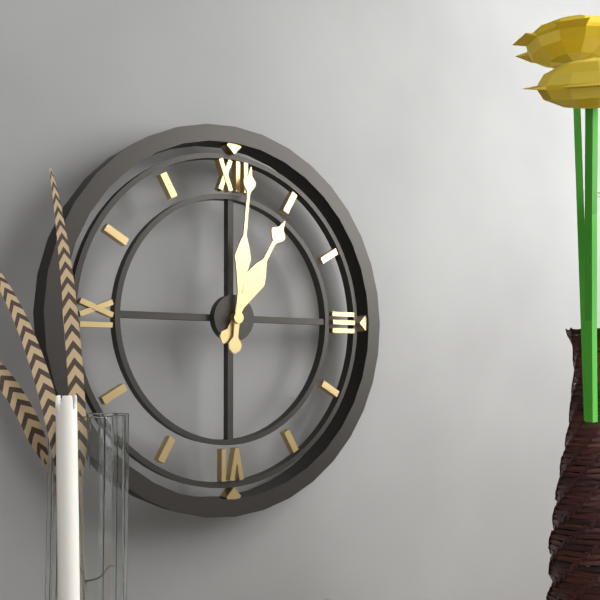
**1:01**
